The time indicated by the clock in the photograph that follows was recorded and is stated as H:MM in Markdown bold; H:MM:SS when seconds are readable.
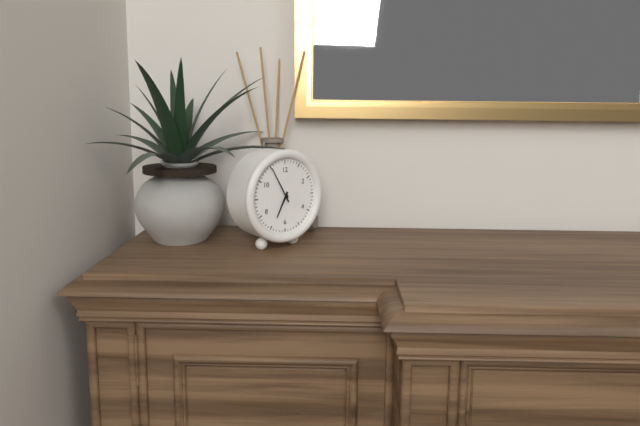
**6:55**
